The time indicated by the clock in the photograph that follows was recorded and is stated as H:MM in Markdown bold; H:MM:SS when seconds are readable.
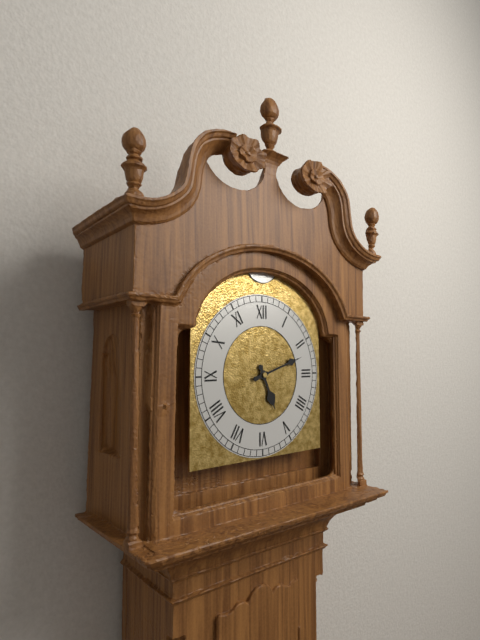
**5:12**
